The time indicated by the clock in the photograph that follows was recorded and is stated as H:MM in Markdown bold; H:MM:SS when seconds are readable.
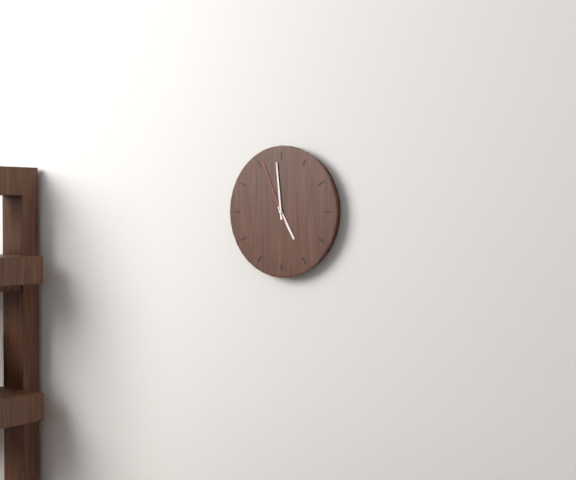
**4:59:56**
